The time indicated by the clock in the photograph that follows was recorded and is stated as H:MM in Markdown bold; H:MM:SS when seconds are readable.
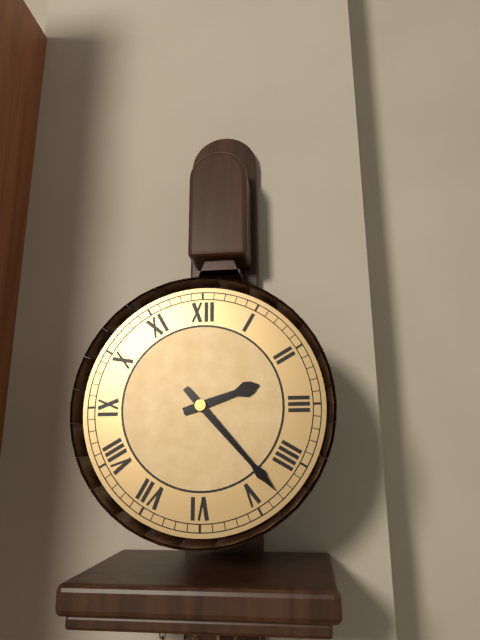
**2:23**
